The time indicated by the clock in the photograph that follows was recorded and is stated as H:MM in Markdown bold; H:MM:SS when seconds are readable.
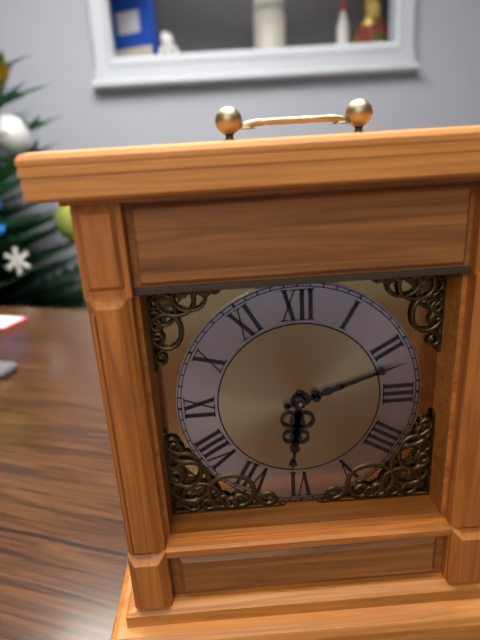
**6:12**
